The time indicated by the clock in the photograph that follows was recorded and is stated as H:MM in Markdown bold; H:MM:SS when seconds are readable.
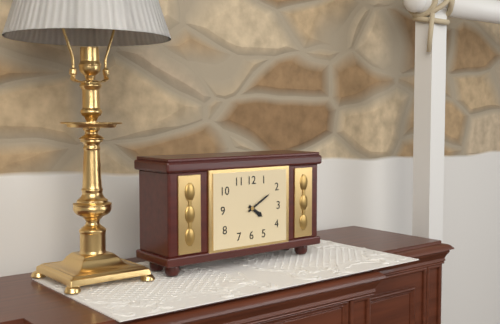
**4:10**
